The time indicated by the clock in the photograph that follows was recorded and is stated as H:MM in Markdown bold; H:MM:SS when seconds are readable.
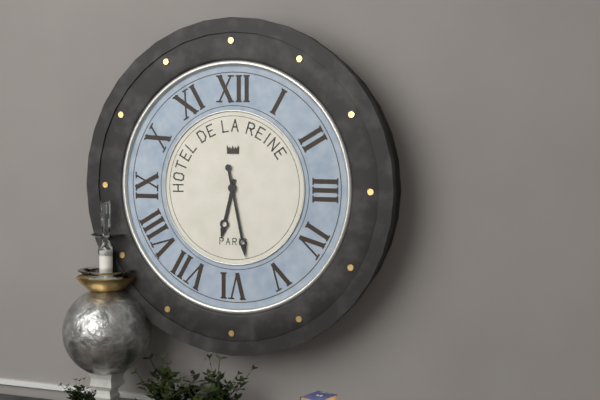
**6:28**
